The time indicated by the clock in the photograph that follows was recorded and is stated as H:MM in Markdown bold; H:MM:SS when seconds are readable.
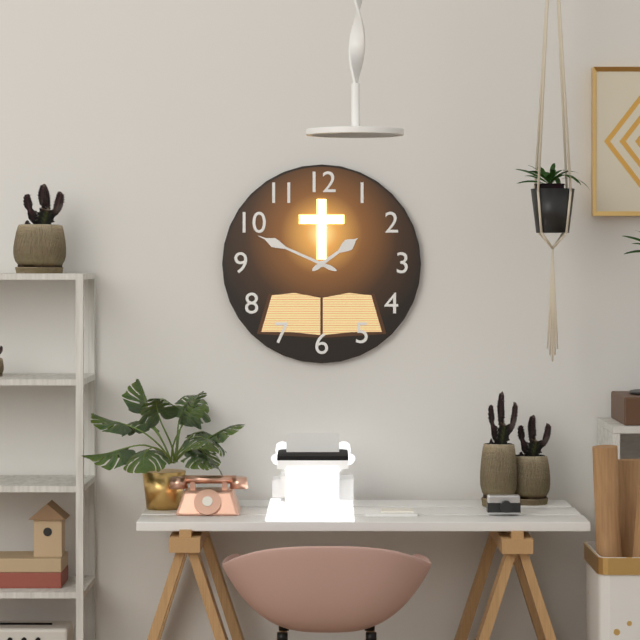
**1:49**
